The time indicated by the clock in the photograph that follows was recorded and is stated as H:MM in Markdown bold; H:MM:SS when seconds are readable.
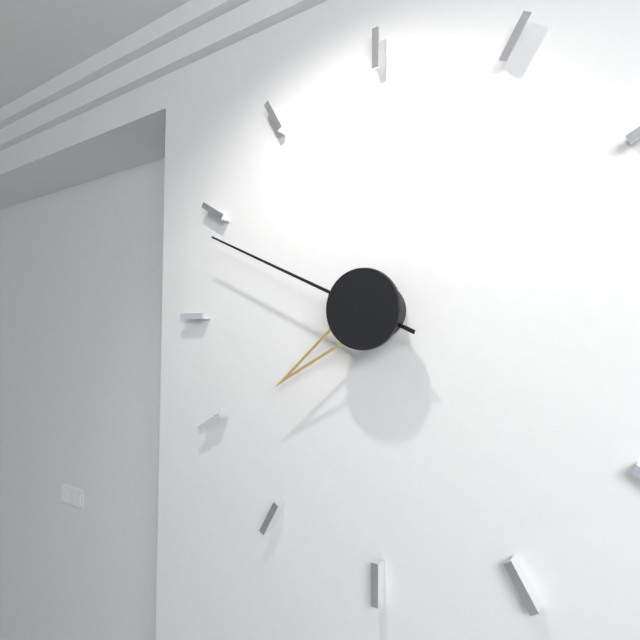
**7:49**
